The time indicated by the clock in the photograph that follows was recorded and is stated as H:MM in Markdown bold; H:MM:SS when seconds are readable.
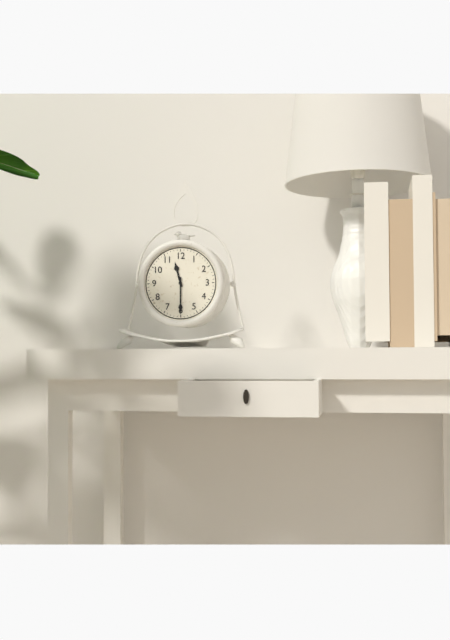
**11:30**
